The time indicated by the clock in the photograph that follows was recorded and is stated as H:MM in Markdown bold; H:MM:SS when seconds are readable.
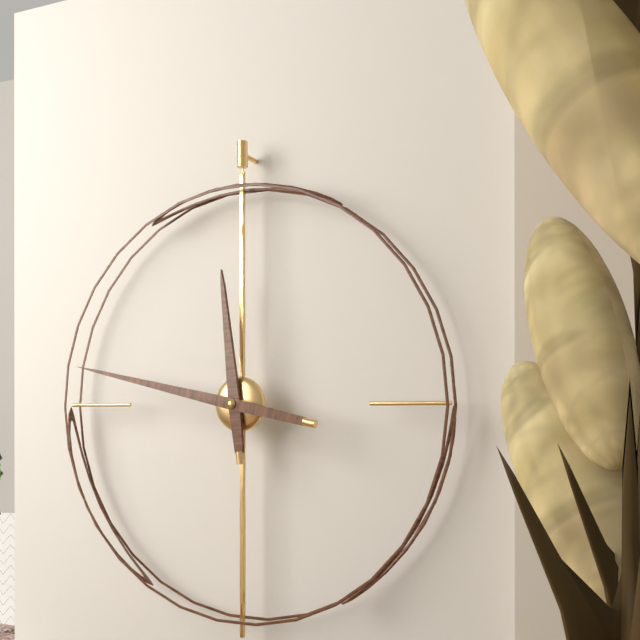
**11:47**
